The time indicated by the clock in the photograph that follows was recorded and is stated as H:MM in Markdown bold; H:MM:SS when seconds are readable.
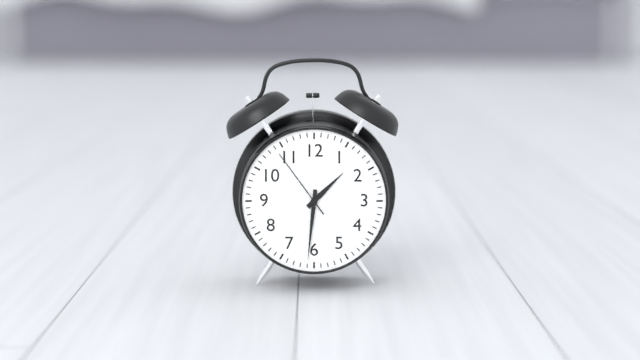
**1:31:54**
